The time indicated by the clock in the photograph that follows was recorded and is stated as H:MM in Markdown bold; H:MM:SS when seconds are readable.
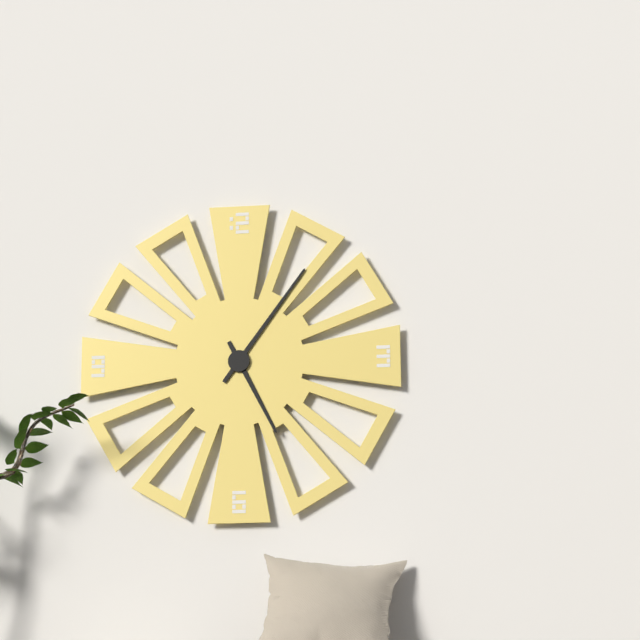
**5:06**
